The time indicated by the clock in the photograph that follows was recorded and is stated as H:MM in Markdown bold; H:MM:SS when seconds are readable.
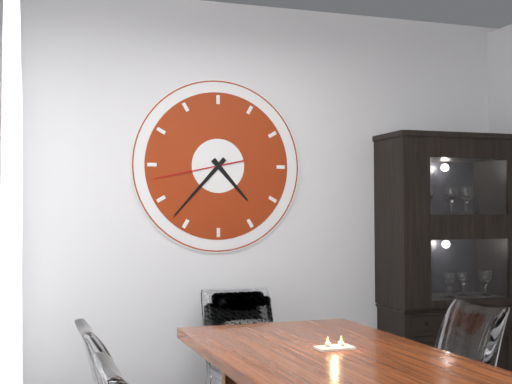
**4:37:43**
